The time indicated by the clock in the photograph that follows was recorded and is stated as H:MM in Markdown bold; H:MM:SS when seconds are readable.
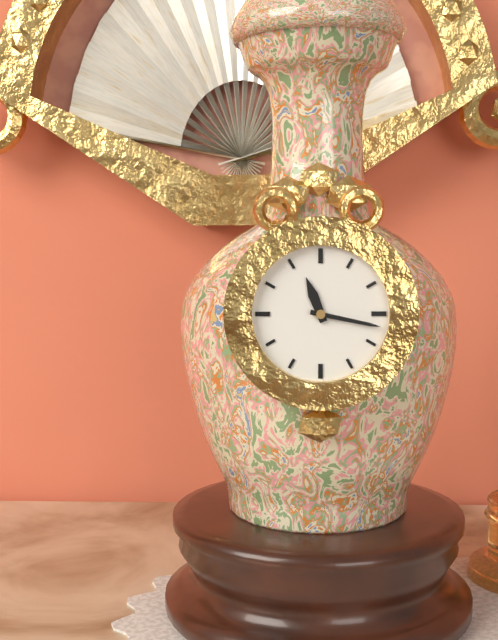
**11:17**
